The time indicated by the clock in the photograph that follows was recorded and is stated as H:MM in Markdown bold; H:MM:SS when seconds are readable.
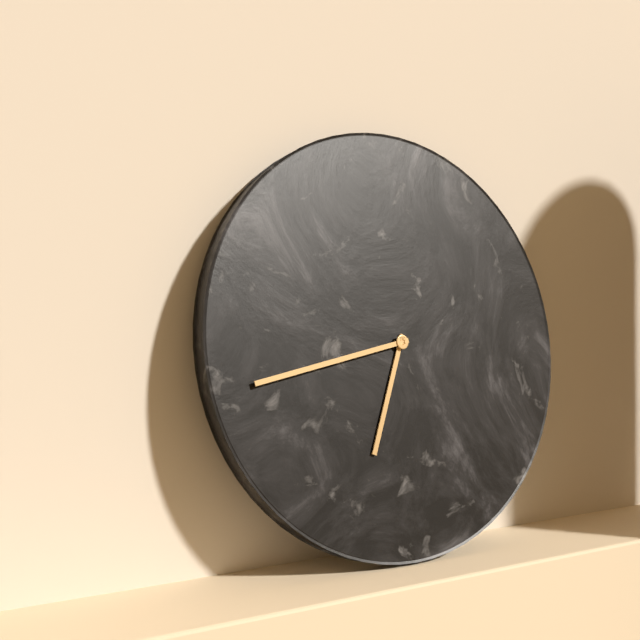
**6:43**
